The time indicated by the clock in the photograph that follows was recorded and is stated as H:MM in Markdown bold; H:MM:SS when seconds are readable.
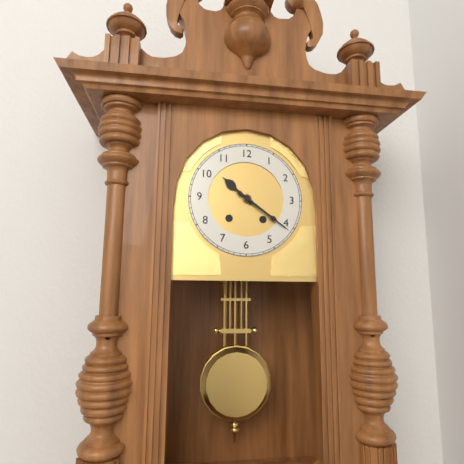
**10:21**
